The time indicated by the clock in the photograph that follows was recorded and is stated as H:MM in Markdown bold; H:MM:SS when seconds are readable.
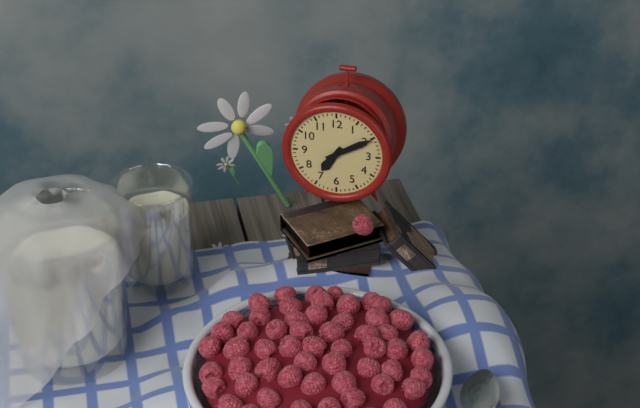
**7:10**
